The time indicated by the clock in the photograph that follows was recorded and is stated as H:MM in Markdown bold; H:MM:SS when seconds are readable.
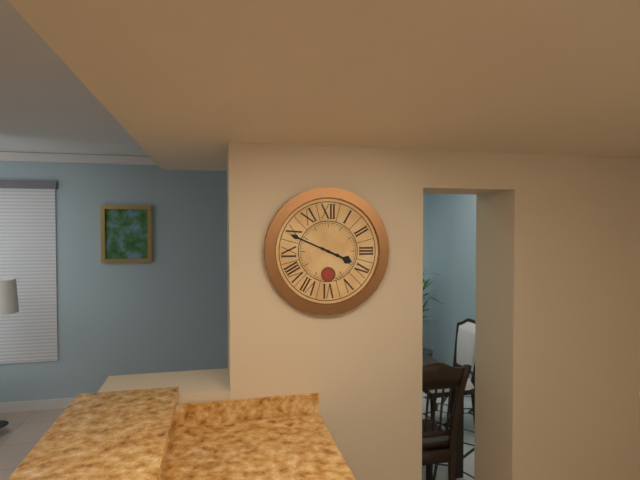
**3:49**
